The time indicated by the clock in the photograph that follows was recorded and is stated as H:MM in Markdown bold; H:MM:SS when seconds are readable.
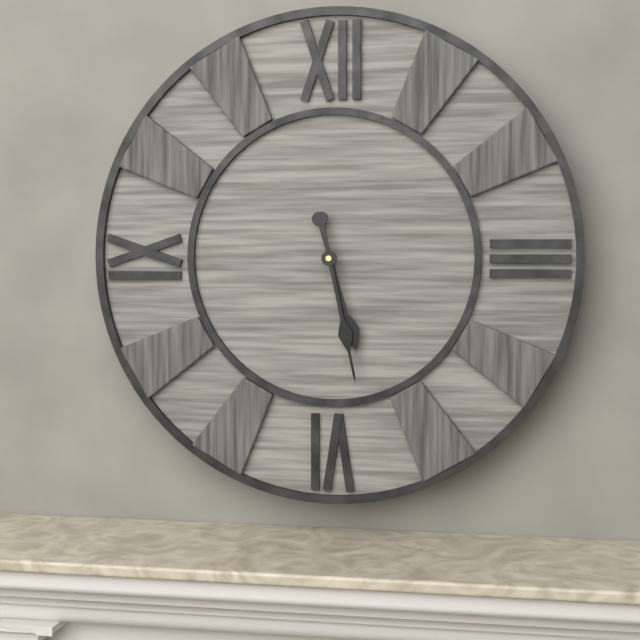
**5:28**
